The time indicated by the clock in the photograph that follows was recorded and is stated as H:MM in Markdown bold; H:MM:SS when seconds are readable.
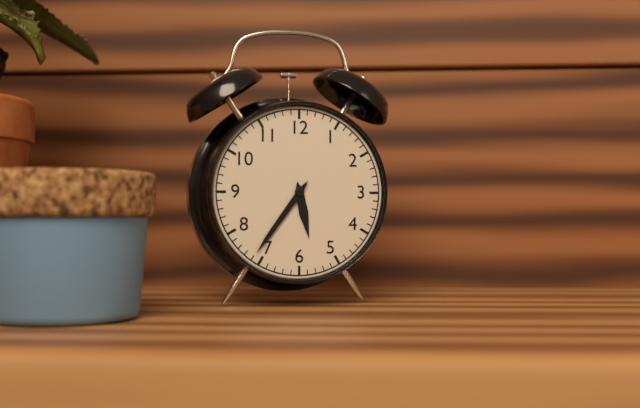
**5:36**
